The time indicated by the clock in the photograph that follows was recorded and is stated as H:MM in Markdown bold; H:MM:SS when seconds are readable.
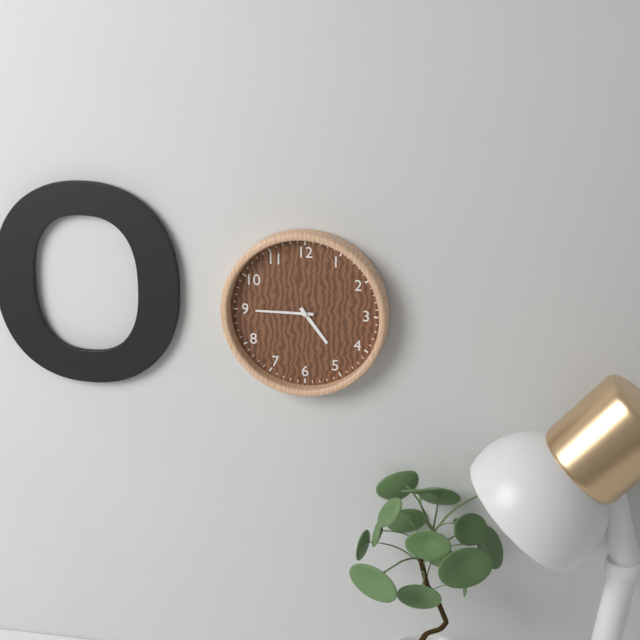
**4:45**
